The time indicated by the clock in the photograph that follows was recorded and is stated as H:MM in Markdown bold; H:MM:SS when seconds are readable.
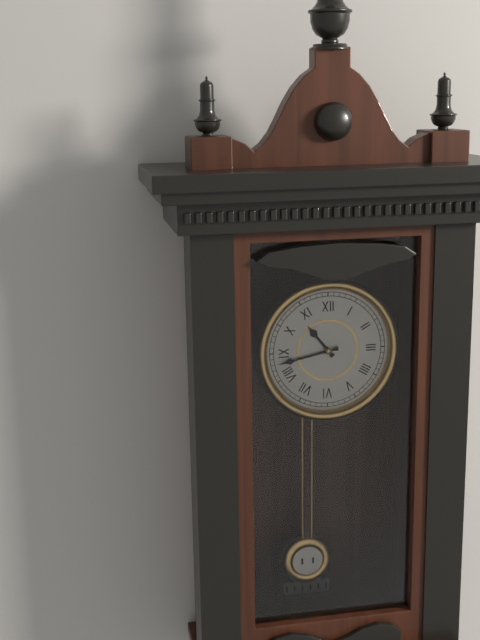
**10:43**
